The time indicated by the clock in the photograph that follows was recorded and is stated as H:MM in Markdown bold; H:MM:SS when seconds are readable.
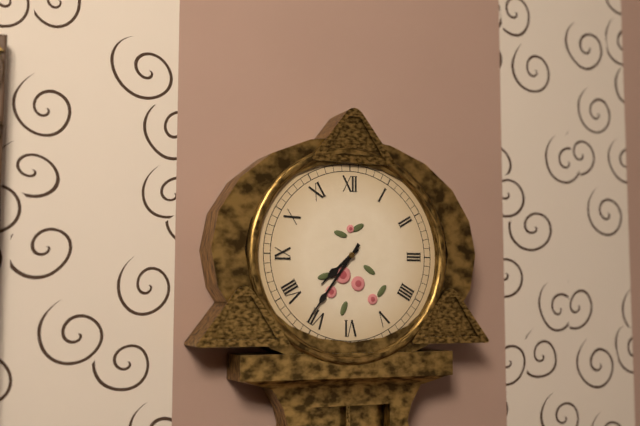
**7:36**
